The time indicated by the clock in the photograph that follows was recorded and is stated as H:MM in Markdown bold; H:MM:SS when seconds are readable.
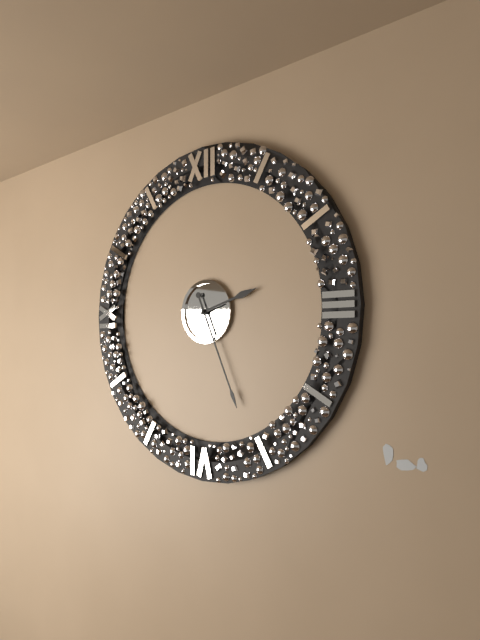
**2:26**
